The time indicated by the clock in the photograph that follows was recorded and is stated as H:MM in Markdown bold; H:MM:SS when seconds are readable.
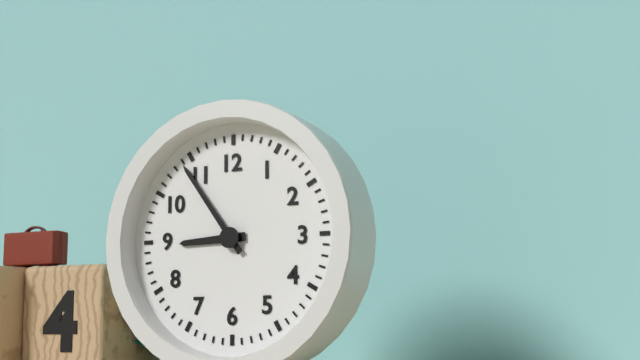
**8:54**
